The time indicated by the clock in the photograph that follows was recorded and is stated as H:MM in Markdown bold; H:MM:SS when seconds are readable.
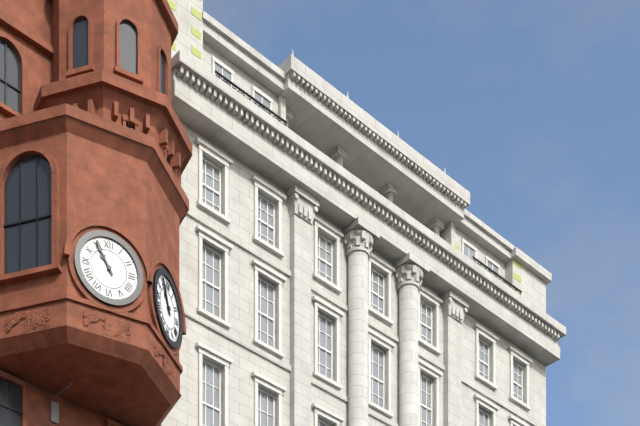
**10:55**
